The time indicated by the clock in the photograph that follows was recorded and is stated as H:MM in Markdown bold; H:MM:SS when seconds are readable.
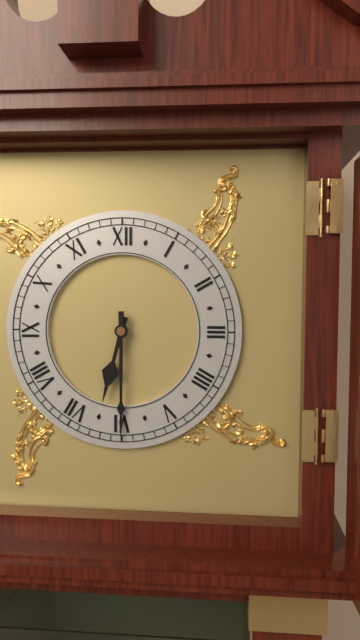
**6:30**
